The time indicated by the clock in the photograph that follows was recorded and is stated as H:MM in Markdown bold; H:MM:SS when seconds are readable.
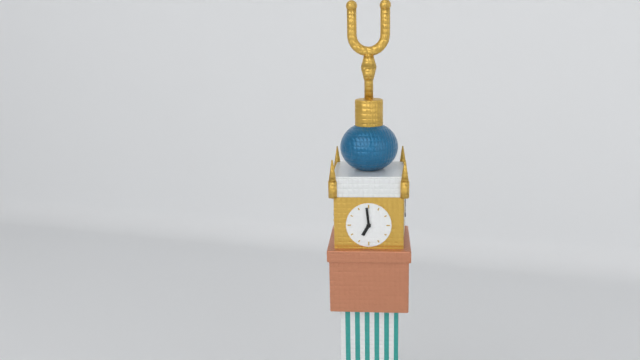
**6:59**
